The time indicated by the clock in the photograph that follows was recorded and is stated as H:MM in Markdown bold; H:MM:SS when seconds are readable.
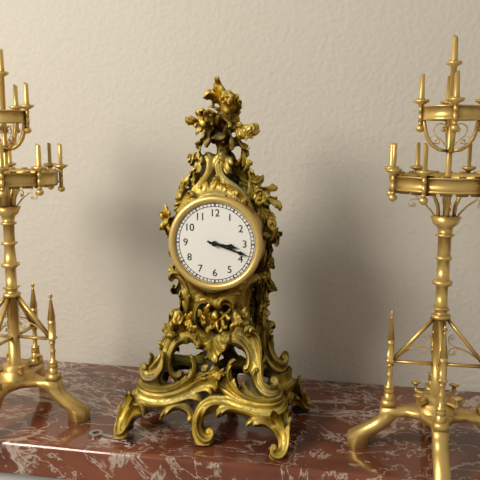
**3:18**
